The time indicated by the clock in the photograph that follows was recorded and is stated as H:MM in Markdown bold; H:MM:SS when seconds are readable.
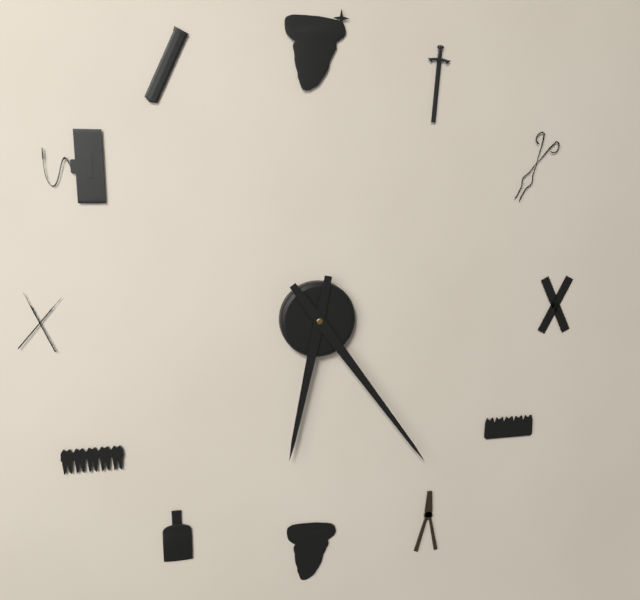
**6:24**
